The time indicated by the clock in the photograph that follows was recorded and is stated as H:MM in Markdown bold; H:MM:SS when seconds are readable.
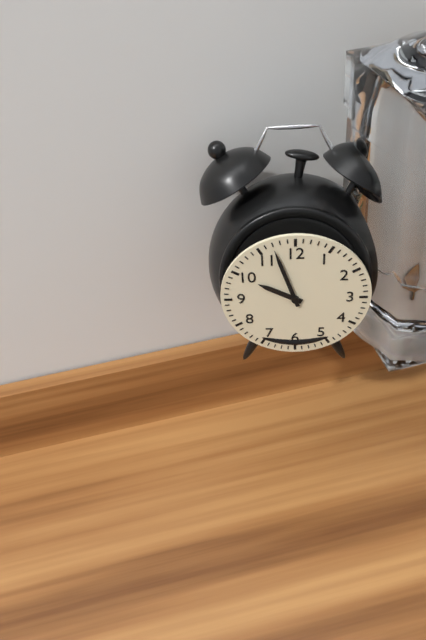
**9:57**
